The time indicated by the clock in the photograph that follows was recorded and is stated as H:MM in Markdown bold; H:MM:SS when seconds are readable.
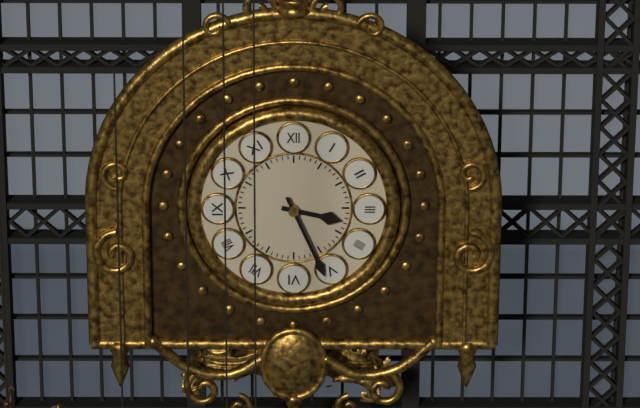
**3:26**
